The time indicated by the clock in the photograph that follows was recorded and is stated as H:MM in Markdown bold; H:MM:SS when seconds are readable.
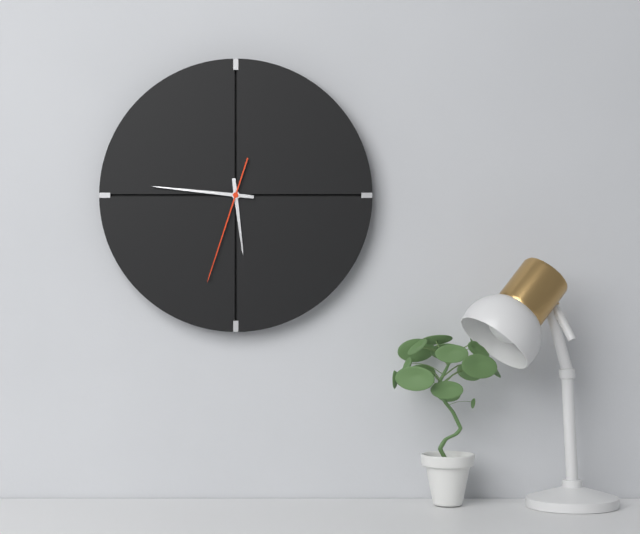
**5:46:33**
